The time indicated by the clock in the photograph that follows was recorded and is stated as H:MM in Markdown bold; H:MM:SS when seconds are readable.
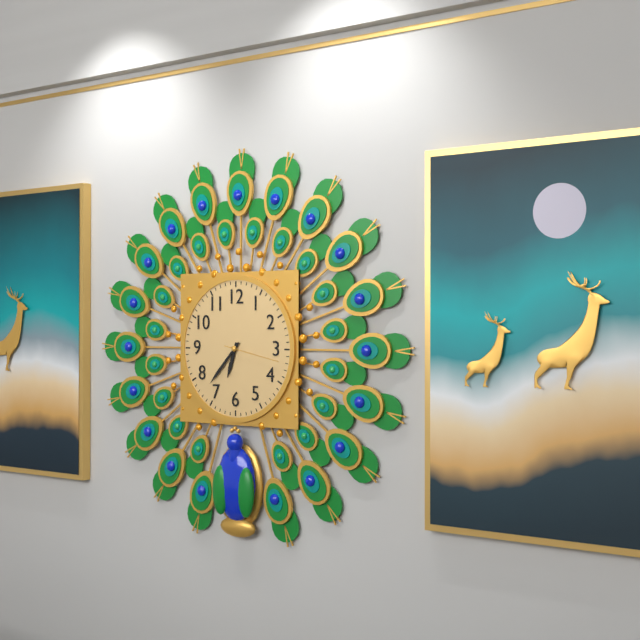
**6:37**
